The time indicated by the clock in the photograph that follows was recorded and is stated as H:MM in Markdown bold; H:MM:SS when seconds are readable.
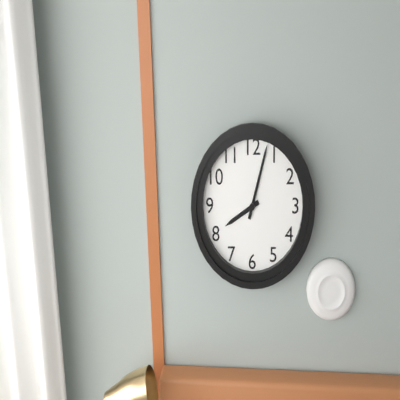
**8:03**
